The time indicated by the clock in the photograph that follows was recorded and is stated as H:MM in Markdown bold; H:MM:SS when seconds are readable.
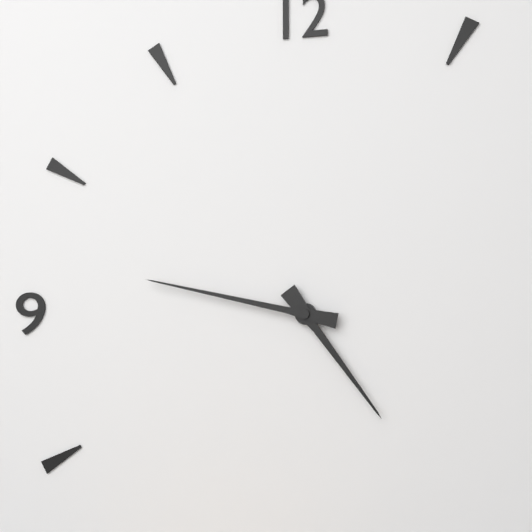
**4:47**
